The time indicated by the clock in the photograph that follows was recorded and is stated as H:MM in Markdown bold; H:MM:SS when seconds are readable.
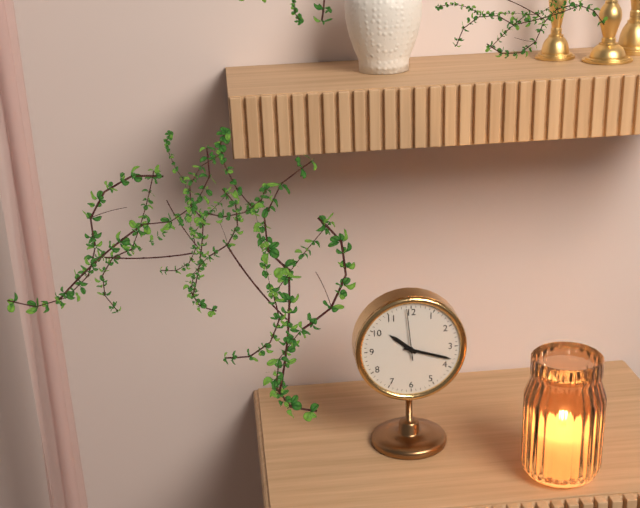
**10:18:59**
